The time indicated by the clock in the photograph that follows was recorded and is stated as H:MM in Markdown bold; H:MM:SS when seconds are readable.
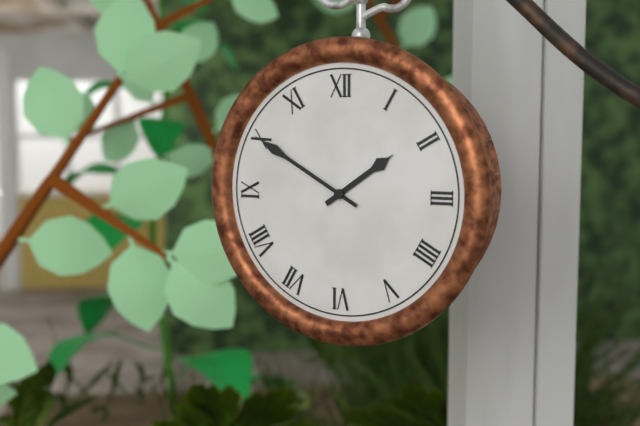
**1:50**
